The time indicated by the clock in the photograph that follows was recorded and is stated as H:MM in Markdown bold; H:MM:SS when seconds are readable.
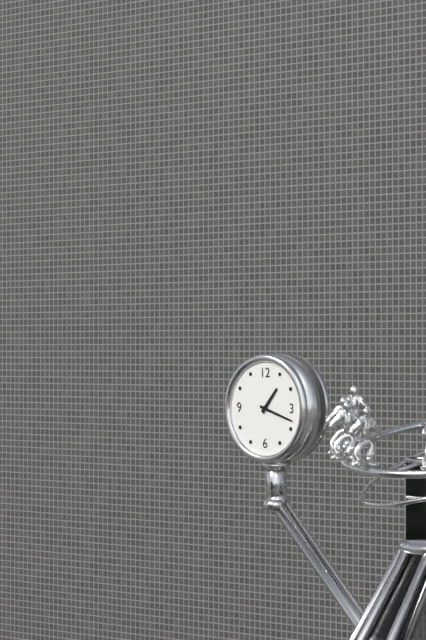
**1:18**
